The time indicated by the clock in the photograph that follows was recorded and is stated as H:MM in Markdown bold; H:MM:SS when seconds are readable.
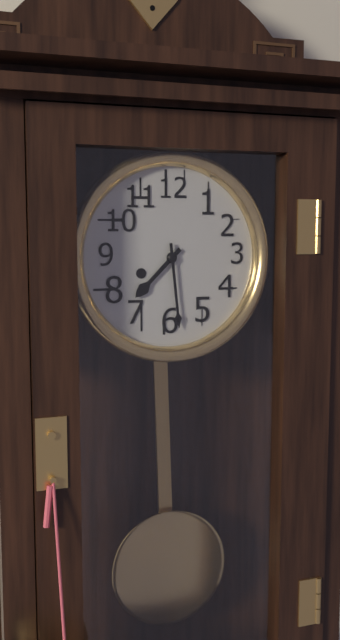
**7:29**
